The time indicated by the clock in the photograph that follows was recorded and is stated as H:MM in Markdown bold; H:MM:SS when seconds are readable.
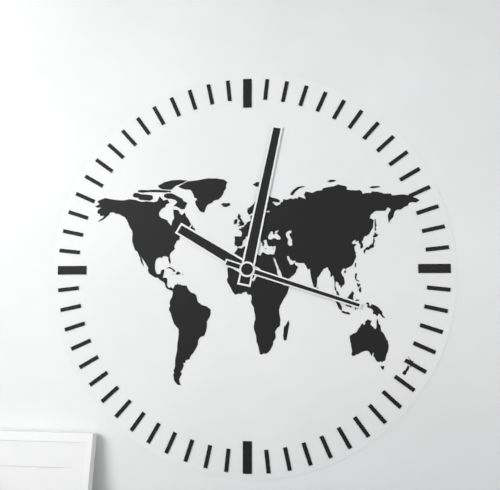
**10:02:18**
